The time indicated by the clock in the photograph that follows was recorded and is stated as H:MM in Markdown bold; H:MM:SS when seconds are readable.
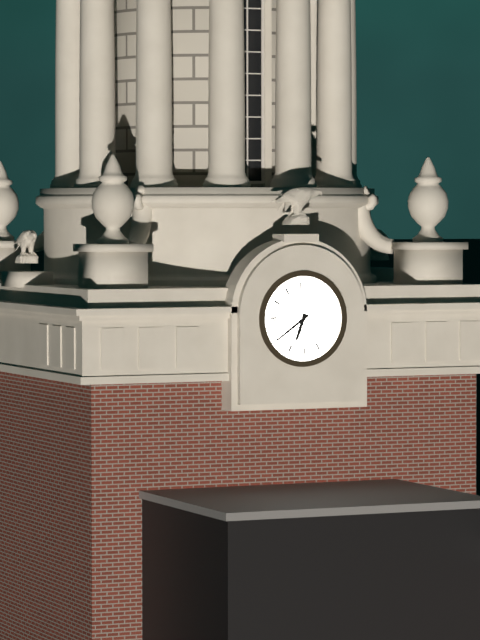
**6:39**
